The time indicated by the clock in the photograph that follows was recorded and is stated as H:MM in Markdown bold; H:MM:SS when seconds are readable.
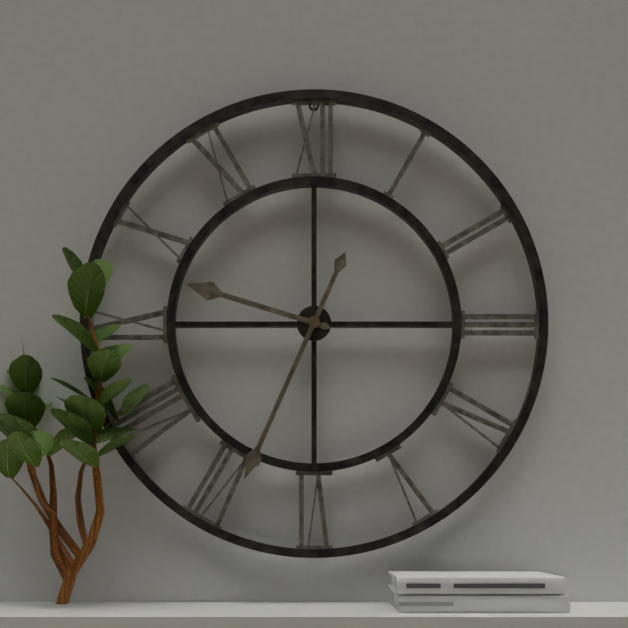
**9:34**
